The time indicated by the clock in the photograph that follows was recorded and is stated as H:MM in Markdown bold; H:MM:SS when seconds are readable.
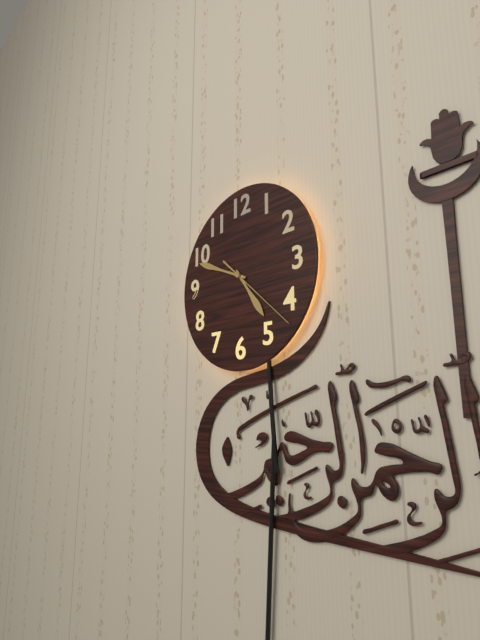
**4:49:22**
